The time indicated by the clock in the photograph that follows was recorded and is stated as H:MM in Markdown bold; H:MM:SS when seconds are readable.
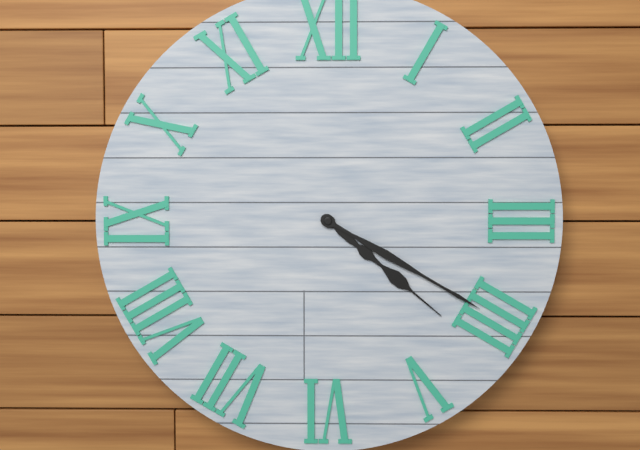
**4:20**
